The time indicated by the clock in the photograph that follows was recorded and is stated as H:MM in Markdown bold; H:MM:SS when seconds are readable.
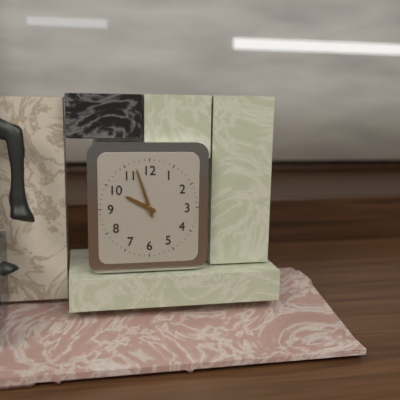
**9:57**
